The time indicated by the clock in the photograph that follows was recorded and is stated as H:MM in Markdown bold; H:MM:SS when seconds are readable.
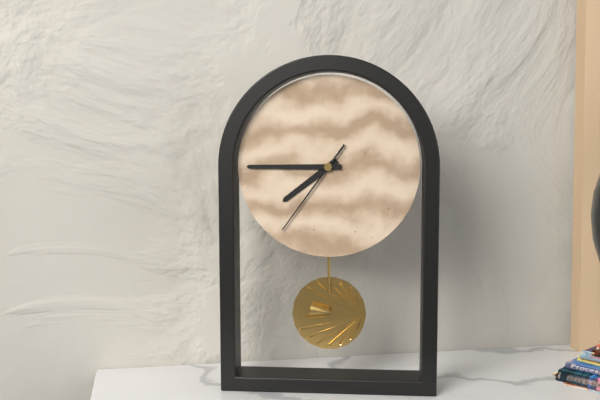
**7:45:36**
